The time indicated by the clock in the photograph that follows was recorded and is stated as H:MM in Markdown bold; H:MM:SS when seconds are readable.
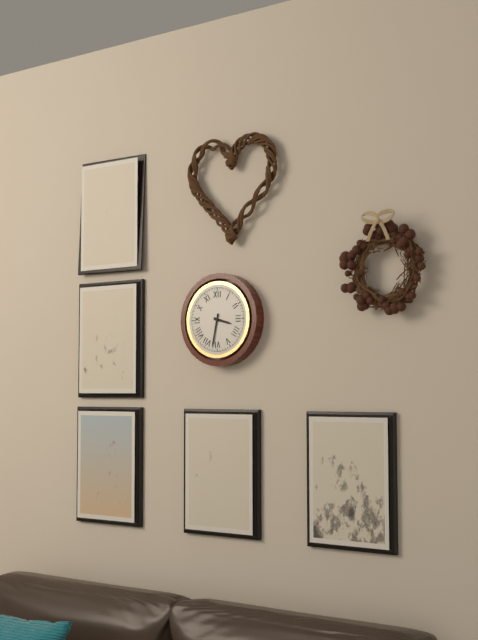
**3:32**
